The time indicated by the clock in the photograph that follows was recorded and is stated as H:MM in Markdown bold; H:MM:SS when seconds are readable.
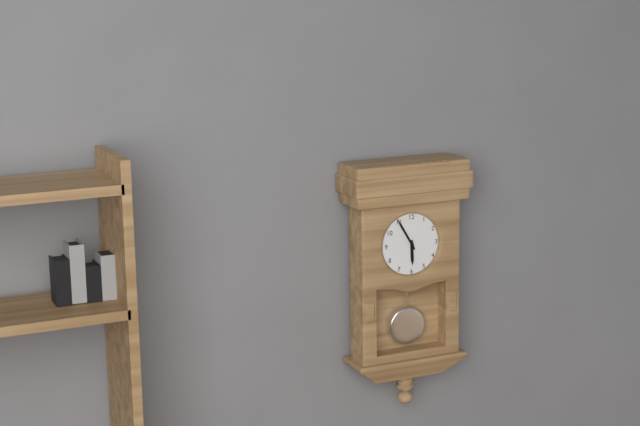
**5:55**
